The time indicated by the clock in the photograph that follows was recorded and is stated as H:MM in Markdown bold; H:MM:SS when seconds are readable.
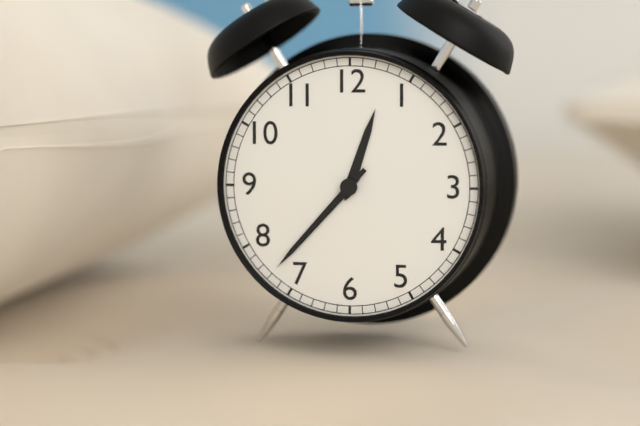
**12:37:37**
